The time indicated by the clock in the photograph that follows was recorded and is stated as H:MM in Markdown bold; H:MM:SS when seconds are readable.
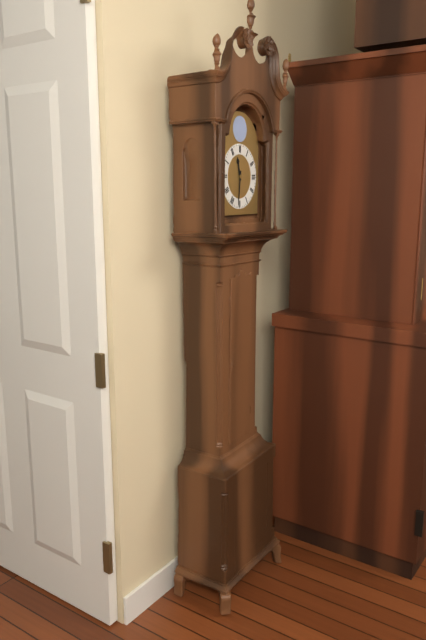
**11:31**
